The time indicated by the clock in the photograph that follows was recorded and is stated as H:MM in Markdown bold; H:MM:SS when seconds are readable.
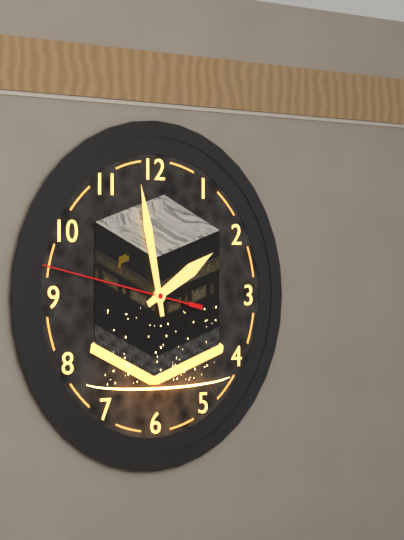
**1:58:47**
